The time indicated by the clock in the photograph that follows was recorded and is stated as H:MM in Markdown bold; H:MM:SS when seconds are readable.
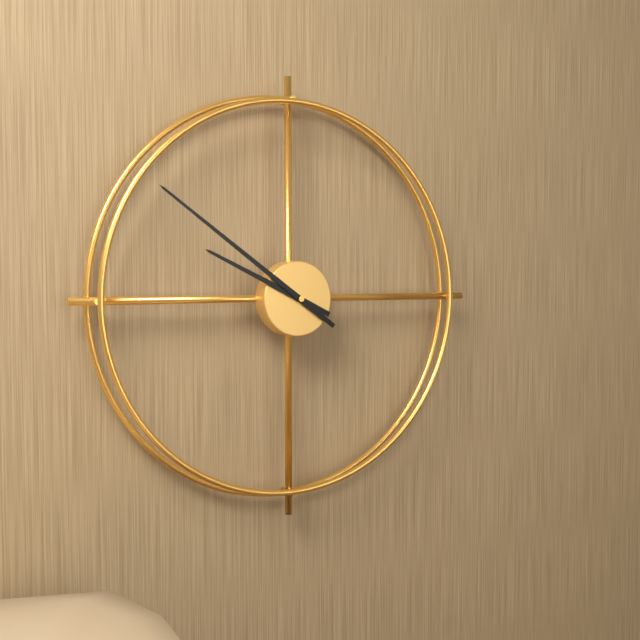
**9:51**
